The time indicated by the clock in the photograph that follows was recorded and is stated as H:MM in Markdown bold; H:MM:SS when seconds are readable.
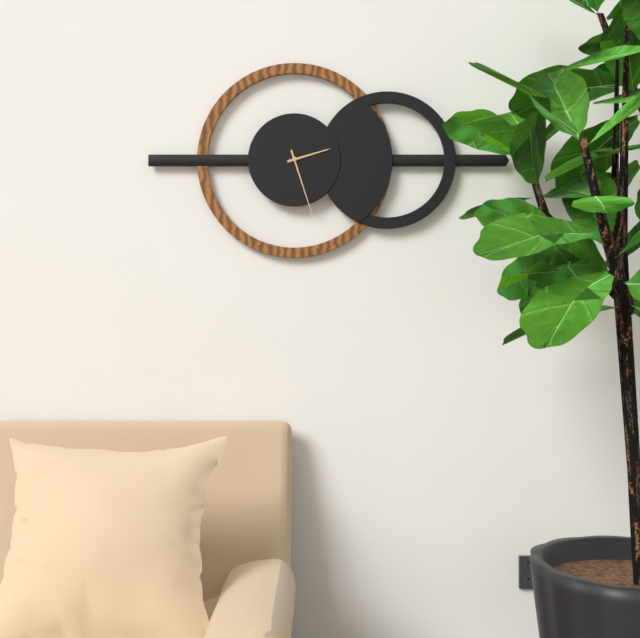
**2:27**
